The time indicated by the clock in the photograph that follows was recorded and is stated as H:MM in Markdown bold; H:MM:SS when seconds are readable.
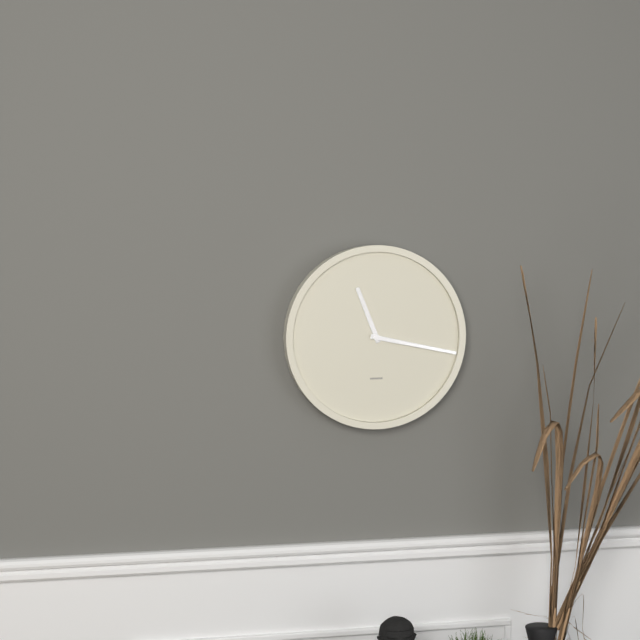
**11:17**
